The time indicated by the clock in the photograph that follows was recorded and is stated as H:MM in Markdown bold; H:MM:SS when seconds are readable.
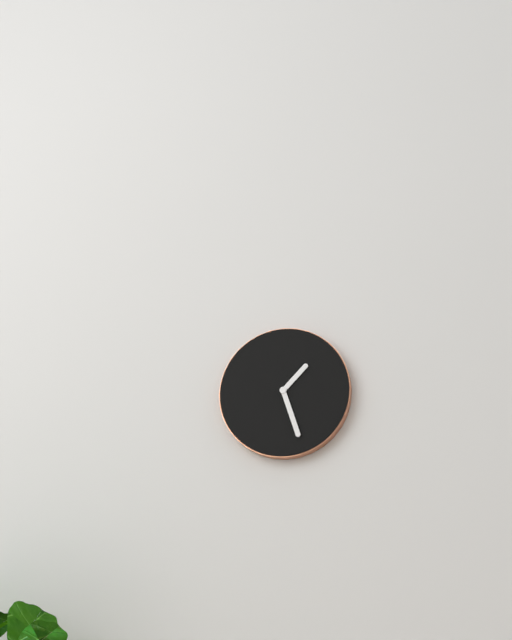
**1:27**
